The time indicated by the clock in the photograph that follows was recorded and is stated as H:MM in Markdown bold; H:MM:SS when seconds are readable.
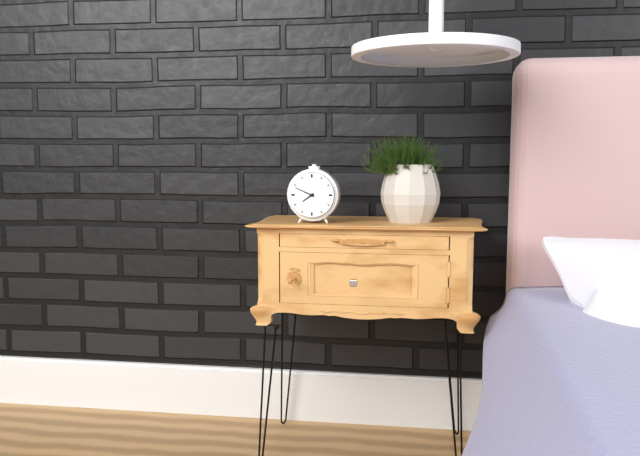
**7:49**
